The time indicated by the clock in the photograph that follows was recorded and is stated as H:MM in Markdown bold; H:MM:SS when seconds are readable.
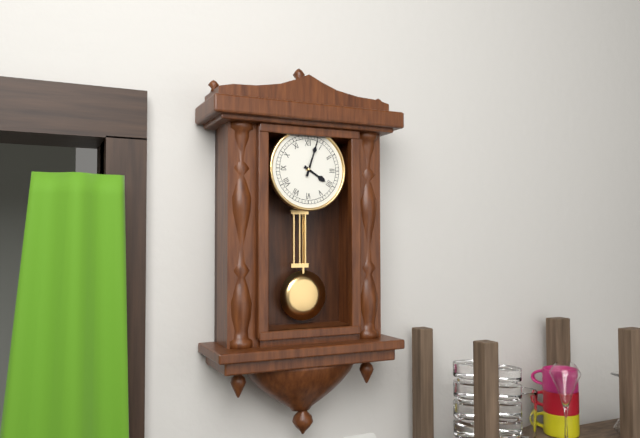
**4:03**
